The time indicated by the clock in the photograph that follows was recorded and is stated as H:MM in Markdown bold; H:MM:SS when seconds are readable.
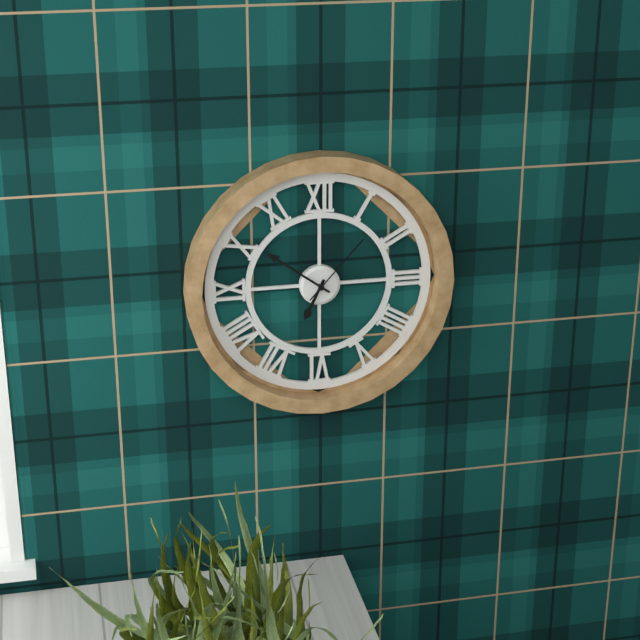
**6:51:07**
